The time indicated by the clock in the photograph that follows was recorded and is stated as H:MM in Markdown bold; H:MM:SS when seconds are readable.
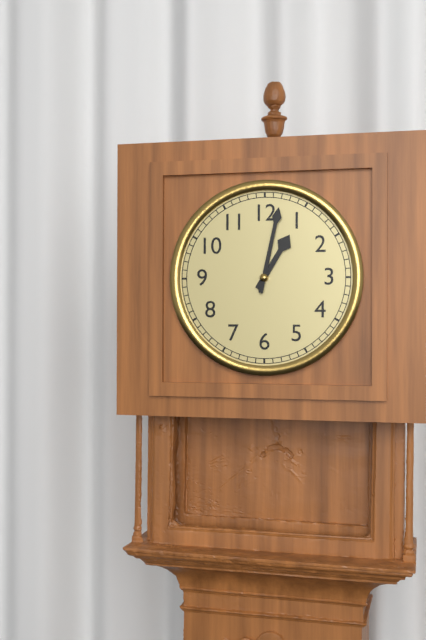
**1:02**
